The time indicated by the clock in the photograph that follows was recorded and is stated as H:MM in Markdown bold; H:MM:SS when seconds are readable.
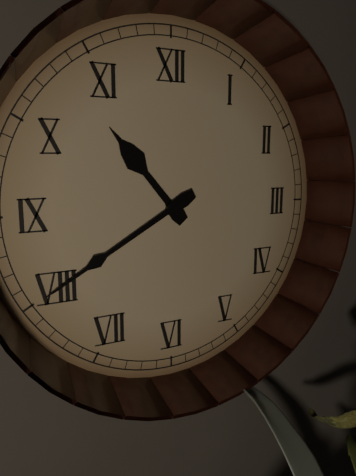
**10:40**
